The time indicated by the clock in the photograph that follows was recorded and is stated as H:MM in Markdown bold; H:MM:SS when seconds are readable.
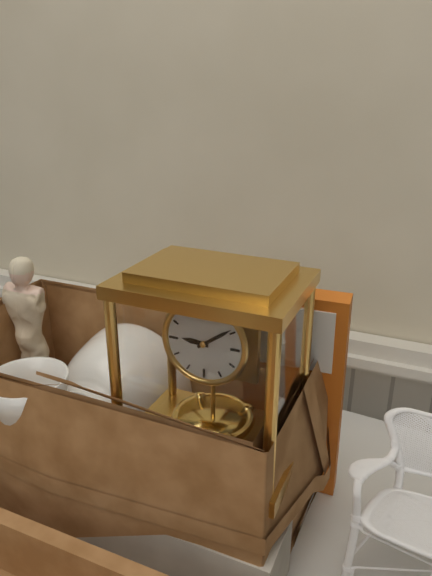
**9:09**
